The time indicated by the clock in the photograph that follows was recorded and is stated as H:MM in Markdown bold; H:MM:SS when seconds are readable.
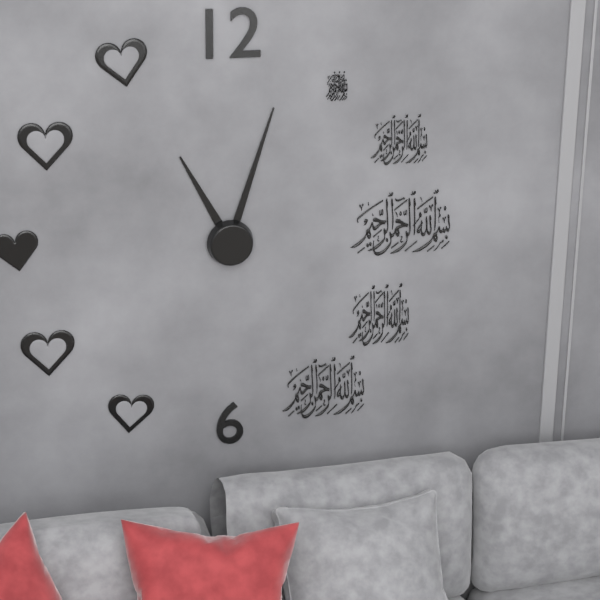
**11:03**
